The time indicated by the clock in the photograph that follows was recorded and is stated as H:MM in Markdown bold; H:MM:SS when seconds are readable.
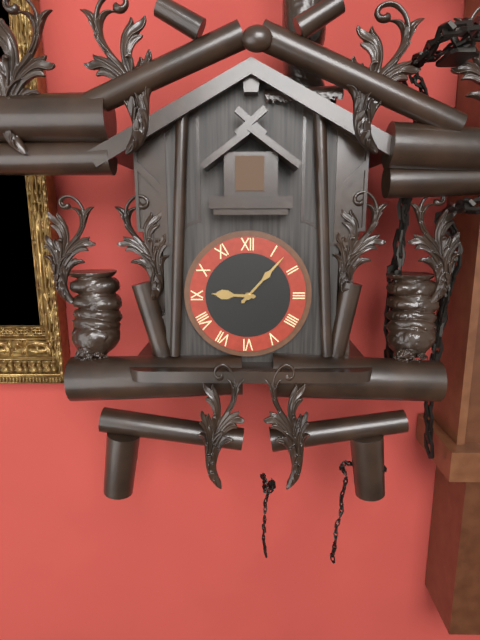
**9:07**
